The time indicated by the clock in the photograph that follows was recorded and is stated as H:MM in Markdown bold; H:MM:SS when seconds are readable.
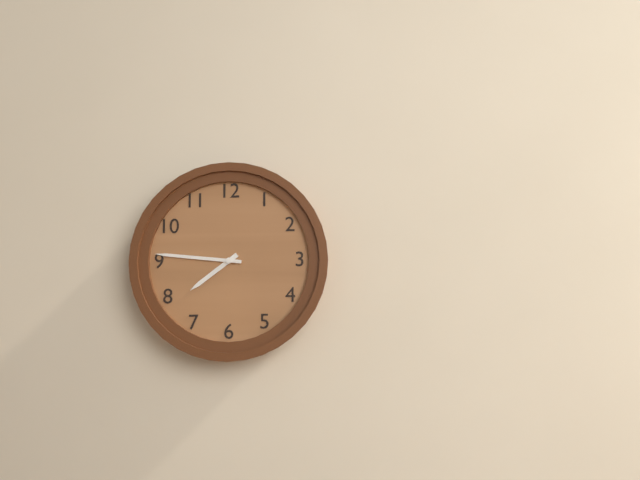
**7:46**
